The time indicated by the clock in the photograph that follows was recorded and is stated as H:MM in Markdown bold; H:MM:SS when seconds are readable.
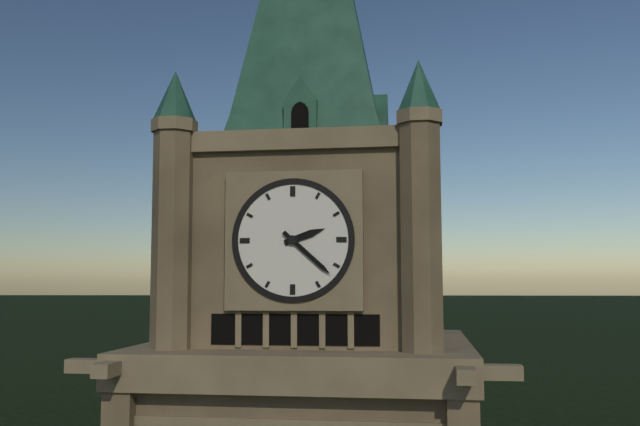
**2:22**
